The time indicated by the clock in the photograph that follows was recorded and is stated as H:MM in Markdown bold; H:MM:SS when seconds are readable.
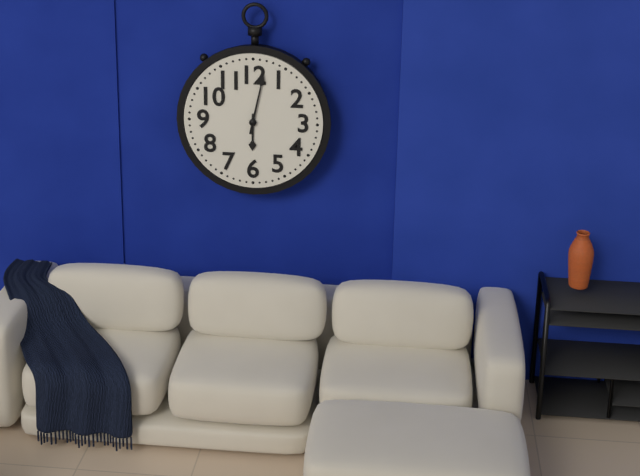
**6:02**
